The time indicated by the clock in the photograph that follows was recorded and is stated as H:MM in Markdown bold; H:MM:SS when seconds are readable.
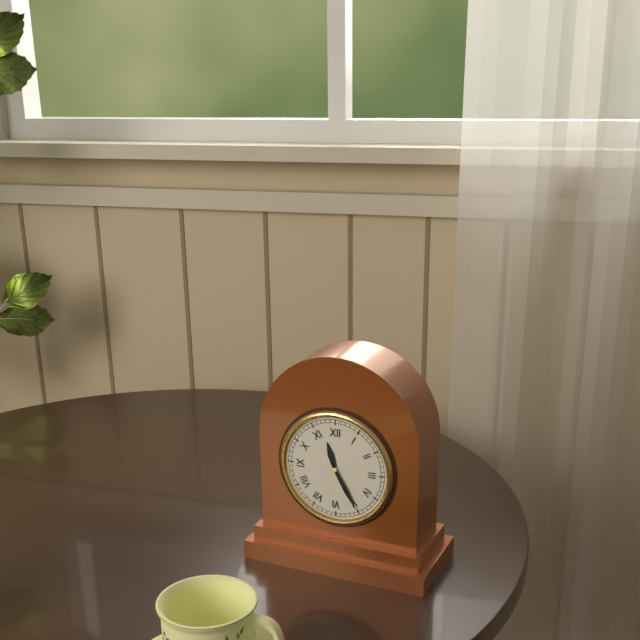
**11:25**
